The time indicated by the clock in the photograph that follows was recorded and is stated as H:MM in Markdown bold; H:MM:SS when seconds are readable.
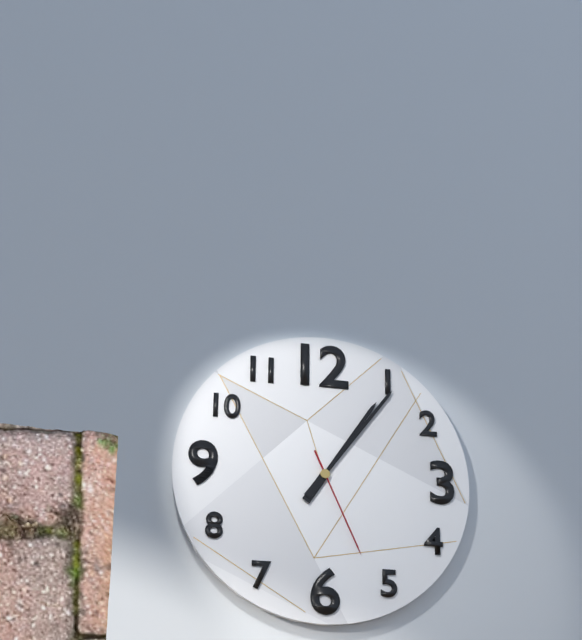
**1:06:26**
